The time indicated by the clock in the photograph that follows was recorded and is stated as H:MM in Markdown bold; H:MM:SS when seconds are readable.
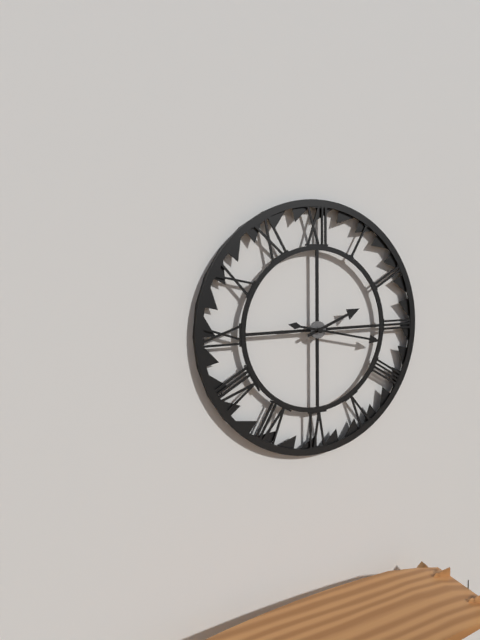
**2:17**
